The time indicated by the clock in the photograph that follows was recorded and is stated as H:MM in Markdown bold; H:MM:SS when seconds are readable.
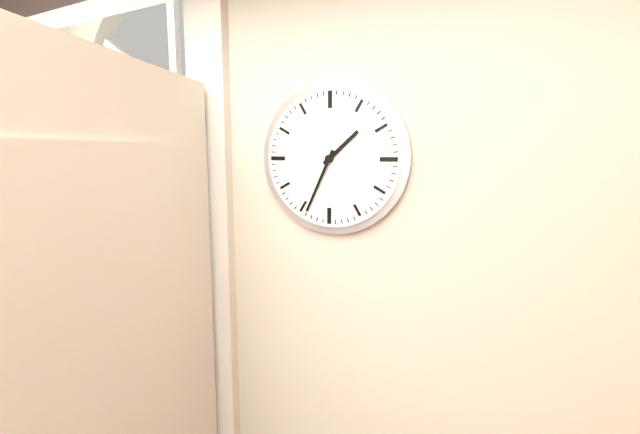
**1:34**
